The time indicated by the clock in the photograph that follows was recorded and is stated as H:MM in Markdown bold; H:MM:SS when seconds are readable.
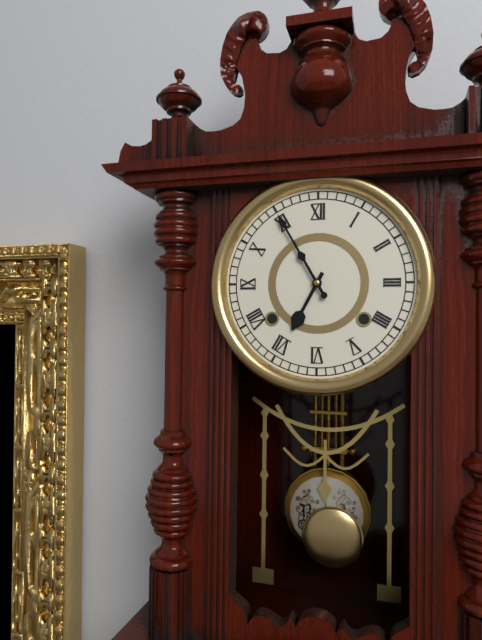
**6:55**
